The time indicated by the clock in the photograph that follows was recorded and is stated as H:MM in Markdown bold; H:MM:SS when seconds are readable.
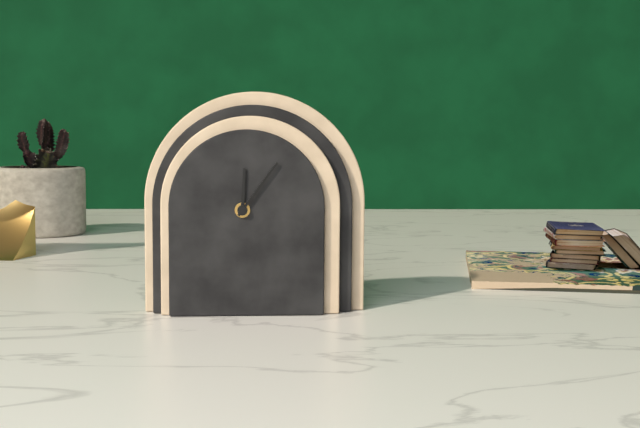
**12:06**
